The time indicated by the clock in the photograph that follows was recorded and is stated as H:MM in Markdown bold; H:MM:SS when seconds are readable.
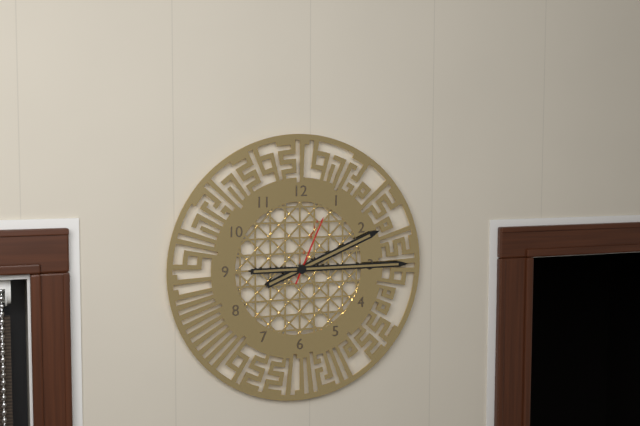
**2:15:04**
